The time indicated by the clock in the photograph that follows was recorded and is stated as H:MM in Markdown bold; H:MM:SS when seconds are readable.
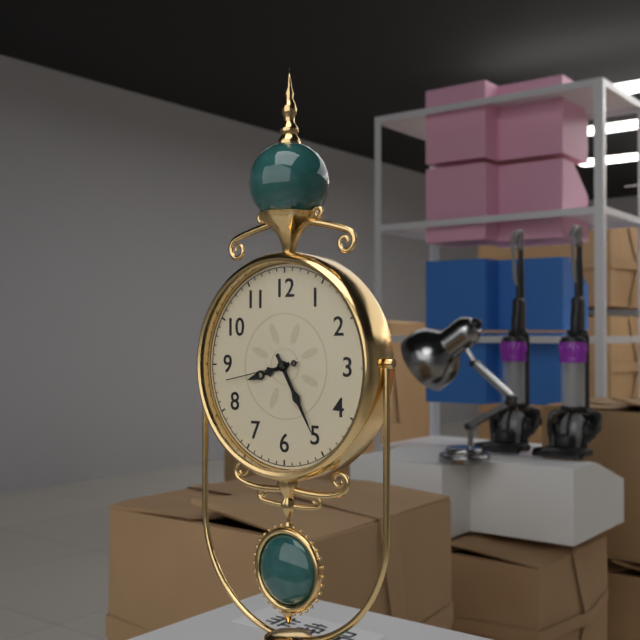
**8:25:43**
